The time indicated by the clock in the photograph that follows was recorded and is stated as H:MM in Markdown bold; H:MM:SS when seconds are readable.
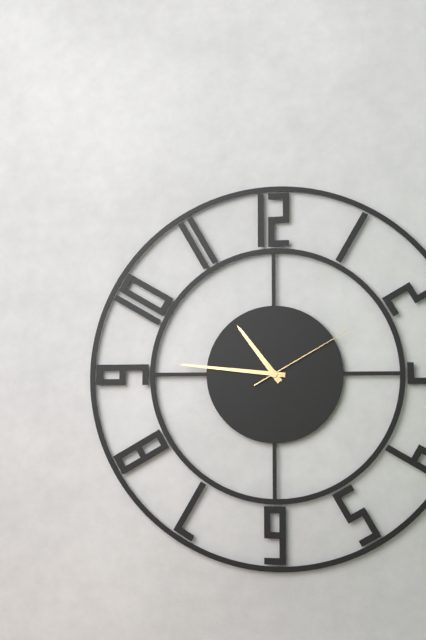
**10:46:10**
